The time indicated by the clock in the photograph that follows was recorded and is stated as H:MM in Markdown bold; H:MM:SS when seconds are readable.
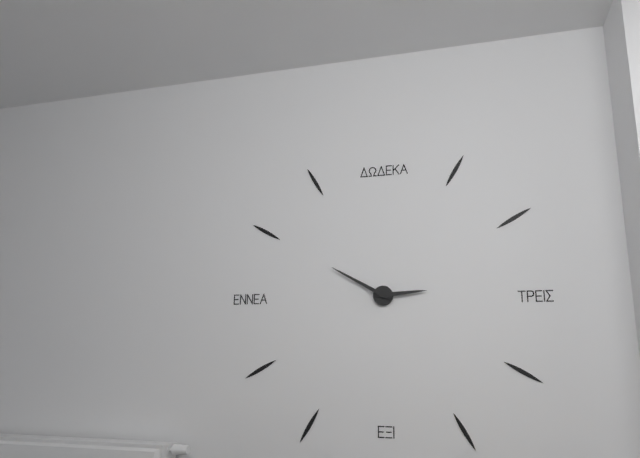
**2:50**
